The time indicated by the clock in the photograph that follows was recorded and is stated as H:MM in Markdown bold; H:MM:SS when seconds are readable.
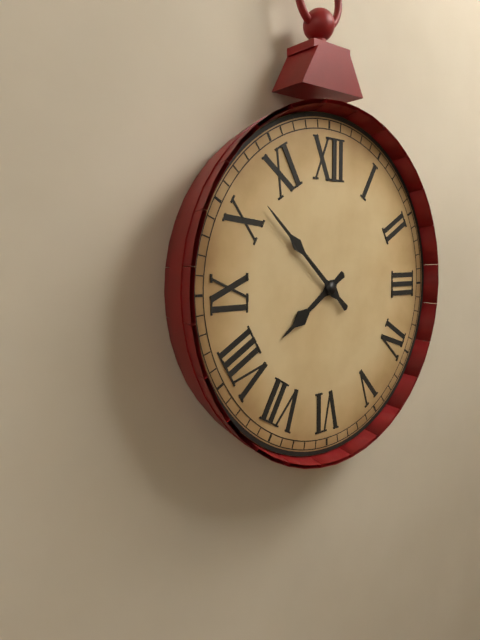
**7:52**
